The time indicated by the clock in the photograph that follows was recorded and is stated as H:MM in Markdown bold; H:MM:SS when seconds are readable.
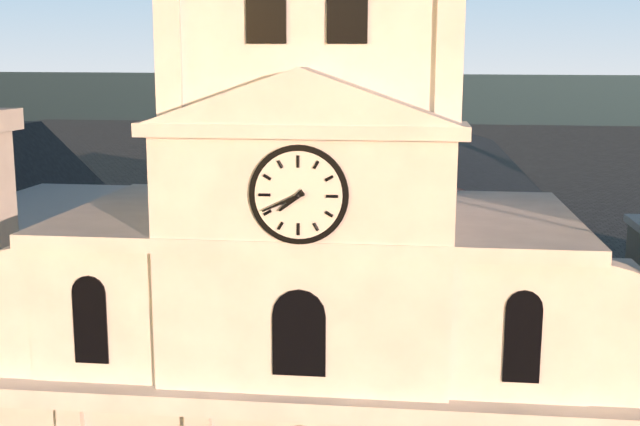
**7:41**
